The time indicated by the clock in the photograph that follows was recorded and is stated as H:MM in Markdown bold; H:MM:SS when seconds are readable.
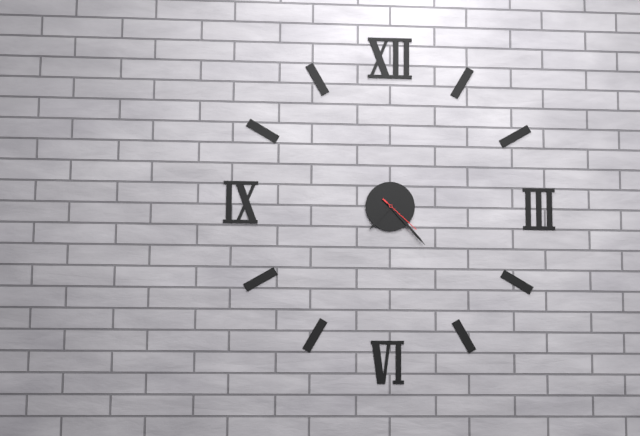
**7:23**
